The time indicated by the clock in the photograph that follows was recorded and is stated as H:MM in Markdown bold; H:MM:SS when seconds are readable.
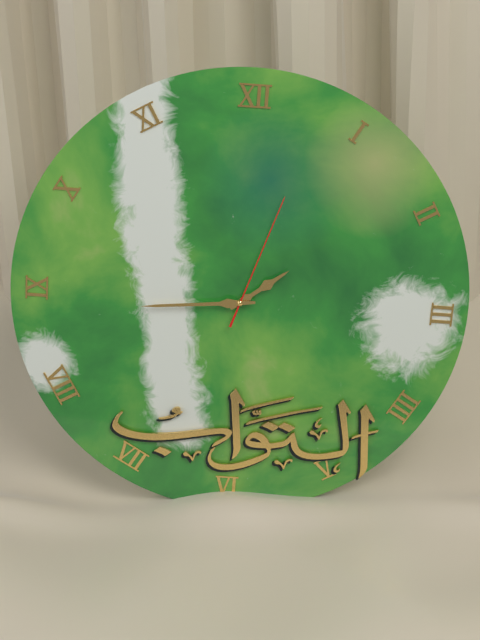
**1:44:03**
